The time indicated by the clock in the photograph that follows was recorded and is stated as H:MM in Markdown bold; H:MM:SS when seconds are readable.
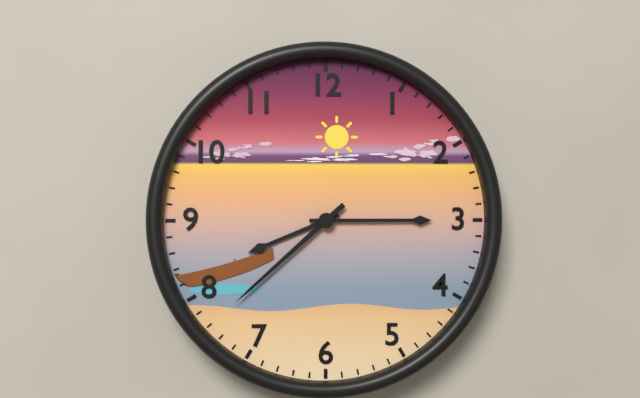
**8:15:38**
